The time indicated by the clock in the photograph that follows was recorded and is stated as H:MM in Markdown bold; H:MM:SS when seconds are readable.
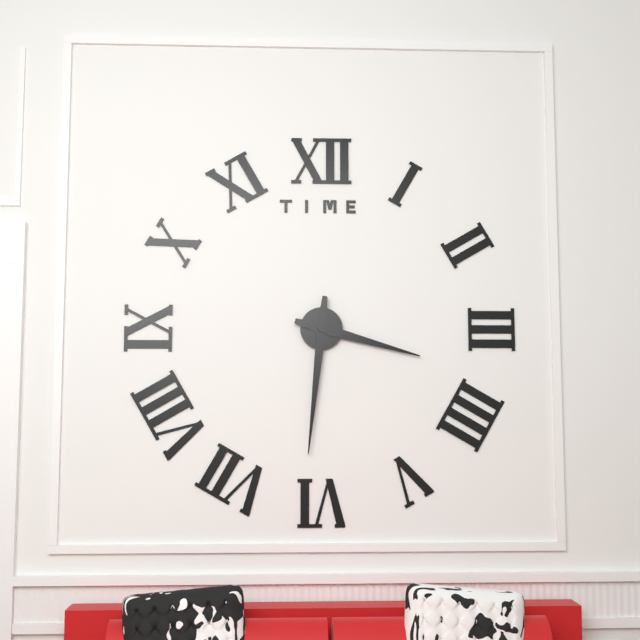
**3:31**
